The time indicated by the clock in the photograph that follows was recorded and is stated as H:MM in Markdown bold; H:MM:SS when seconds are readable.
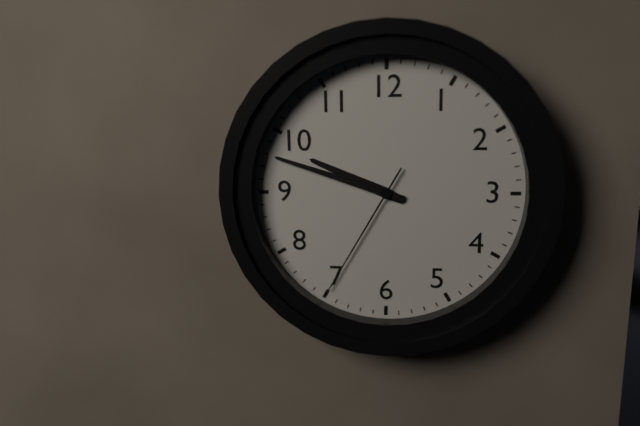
**9:48:35**
